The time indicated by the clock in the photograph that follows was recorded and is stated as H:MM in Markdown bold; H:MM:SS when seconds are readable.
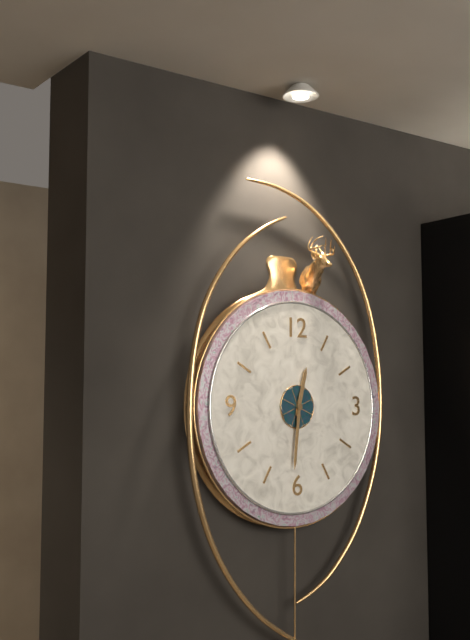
**12:31**
